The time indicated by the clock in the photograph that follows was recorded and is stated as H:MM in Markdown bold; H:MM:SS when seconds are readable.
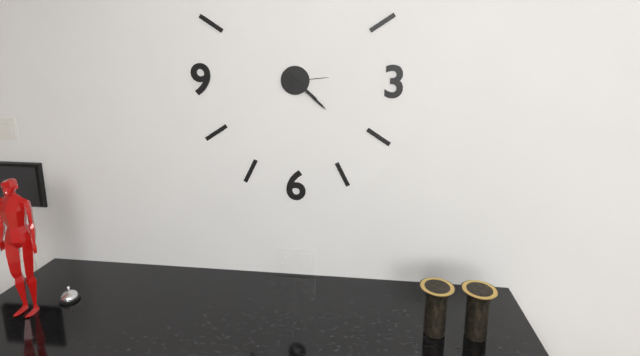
**4:22**
